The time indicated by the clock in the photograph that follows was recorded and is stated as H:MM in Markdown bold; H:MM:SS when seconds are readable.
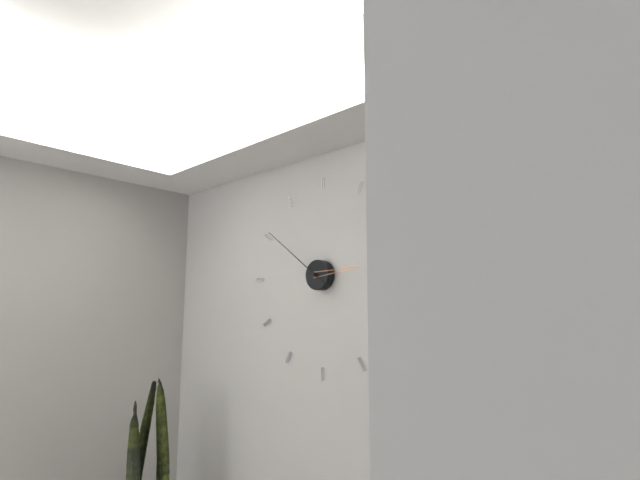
**2:51**
